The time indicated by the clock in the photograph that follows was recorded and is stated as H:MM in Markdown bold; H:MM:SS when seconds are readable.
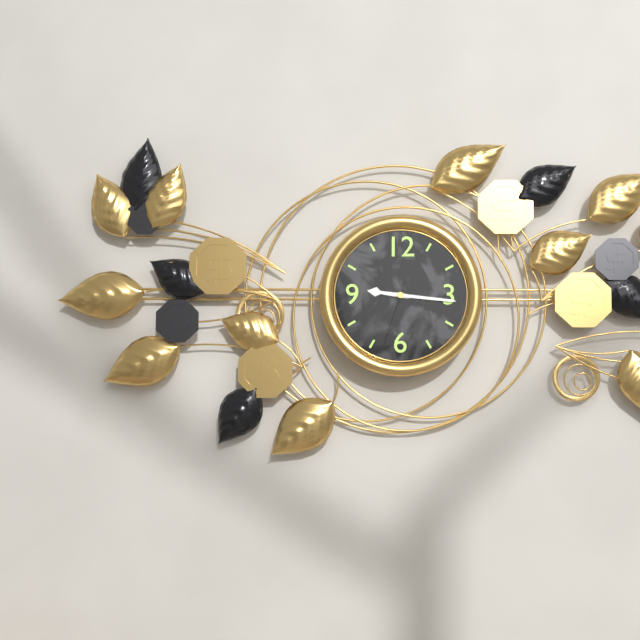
**9:16:33**
